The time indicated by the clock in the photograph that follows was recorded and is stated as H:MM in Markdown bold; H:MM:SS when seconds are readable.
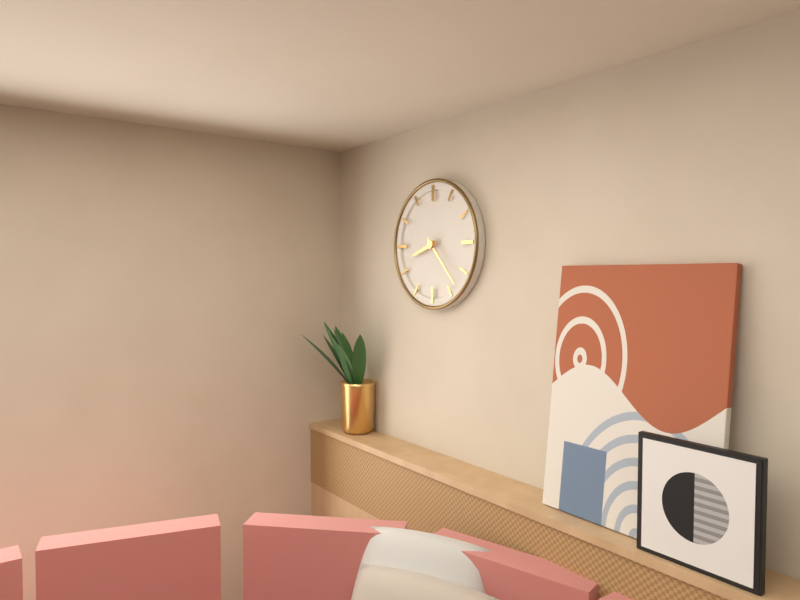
**8:23**
